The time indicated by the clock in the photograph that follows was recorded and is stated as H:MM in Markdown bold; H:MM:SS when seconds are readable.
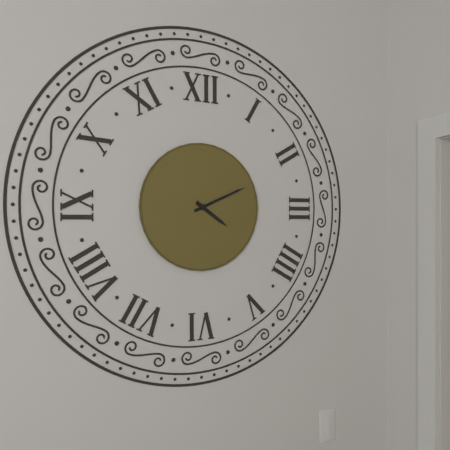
**4:11**
